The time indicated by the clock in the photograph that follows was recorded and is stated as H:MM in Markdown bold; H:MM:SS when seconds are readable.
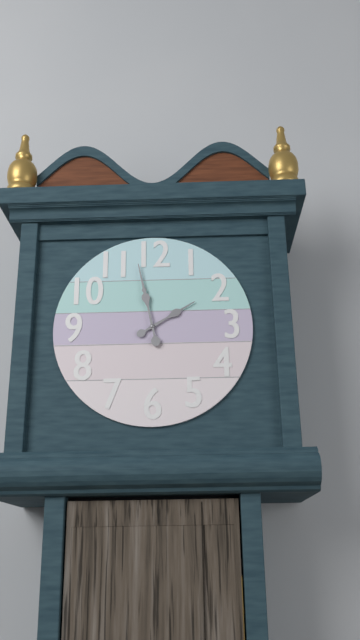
**1:58**
